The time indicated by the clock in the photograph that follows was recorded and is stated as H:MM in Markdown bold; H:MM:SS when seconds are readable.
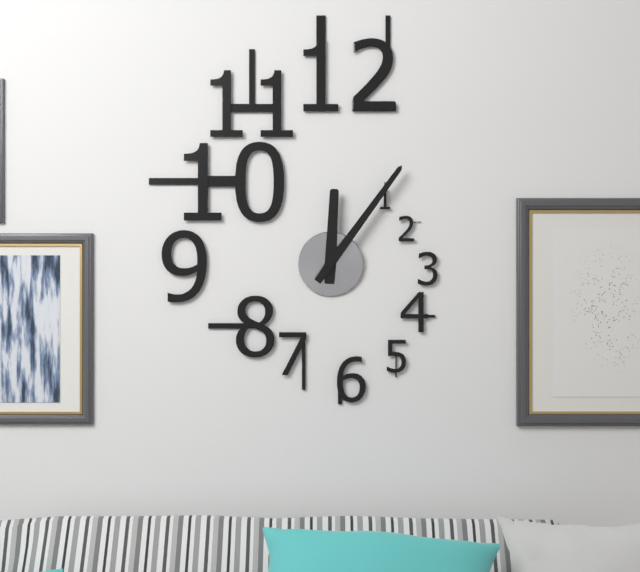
**12:06**
